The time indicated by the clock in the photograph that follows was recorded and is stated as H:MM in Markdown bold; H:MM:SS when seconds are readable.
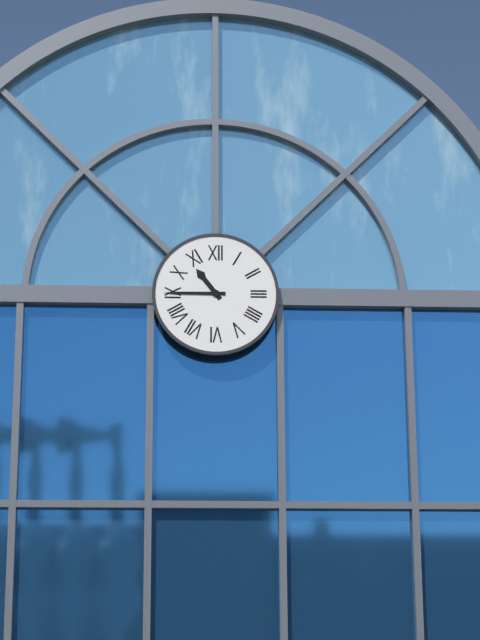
**10:45**
